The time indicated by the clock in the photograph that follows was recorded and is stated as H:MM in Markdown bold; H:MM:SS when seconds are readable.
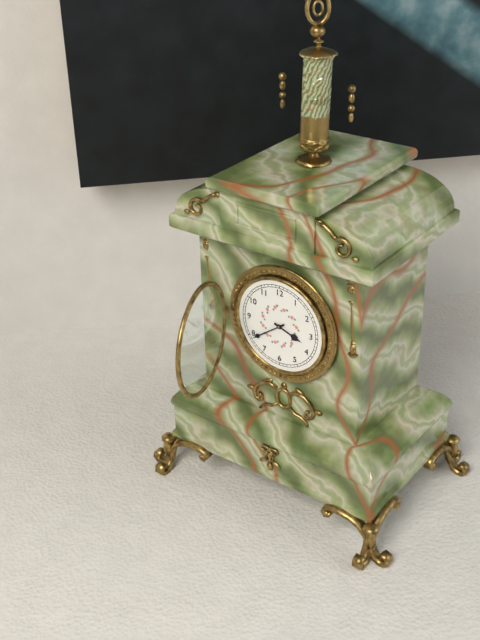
**3:39**
